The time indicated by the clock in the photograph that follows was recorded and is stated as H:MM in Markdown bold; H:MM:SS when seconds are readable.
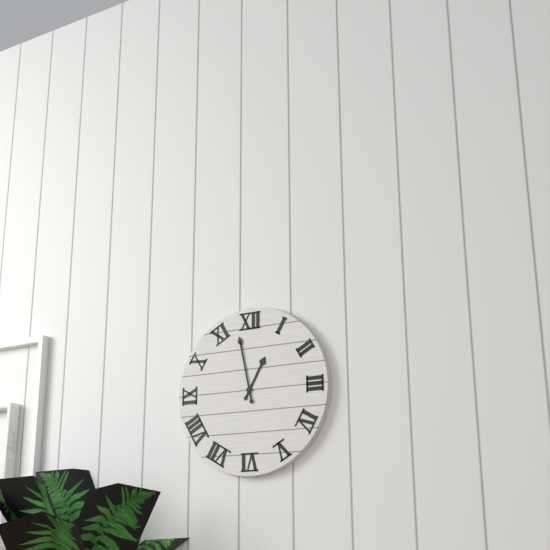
**12:58**
